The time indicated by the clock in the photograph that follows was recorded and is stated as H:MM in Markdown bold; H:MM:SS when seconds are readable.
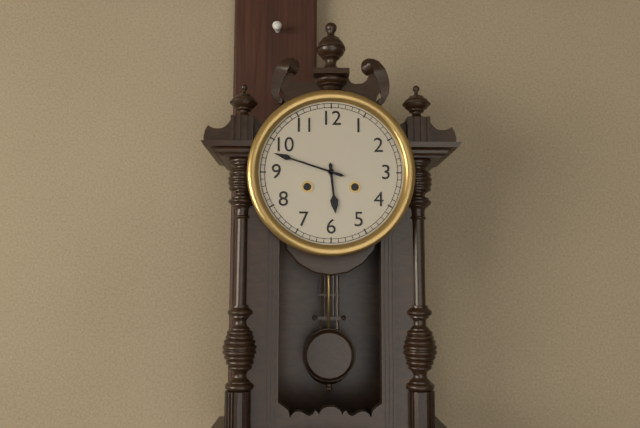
**5:48**
